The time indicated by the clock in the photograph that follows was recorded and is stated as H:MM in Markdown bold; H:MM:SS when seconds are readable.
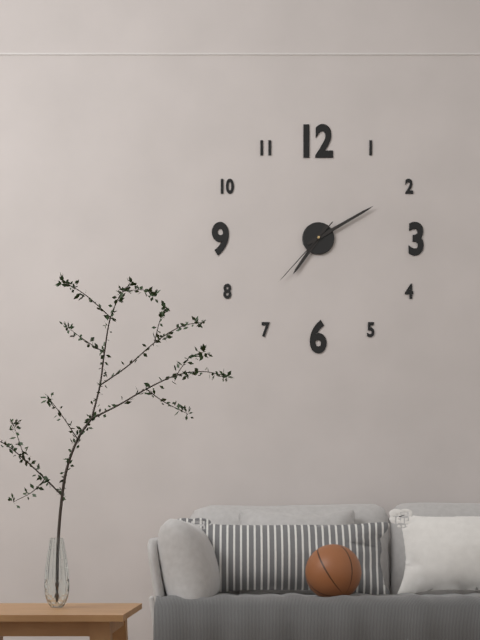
**7:10:37**
